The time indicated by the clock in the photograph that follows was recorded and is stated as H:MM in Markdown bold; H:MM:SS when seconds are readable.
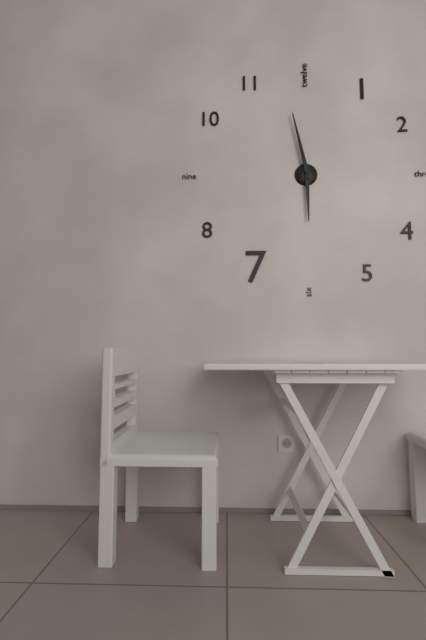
**5:58**
